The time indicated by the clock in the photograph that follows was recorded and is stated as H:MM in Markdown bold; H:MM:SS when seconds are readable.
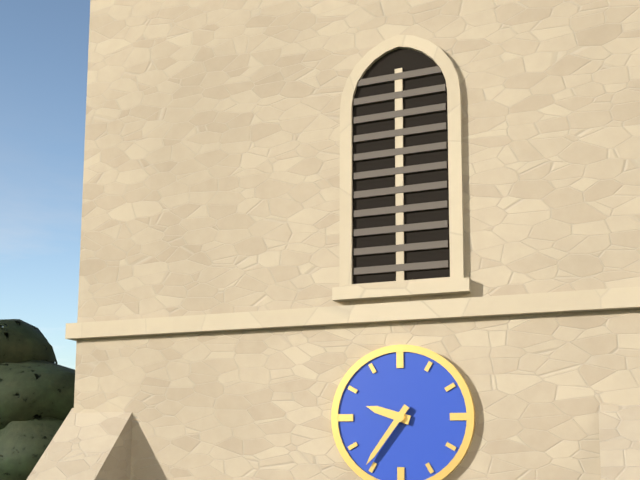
**9:36**
